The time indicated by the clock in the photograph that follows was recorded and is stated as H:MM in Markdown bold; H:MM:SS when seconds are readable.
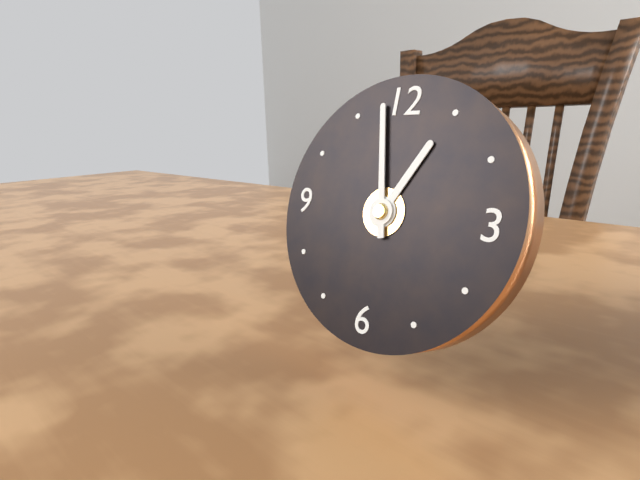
**12:58**
